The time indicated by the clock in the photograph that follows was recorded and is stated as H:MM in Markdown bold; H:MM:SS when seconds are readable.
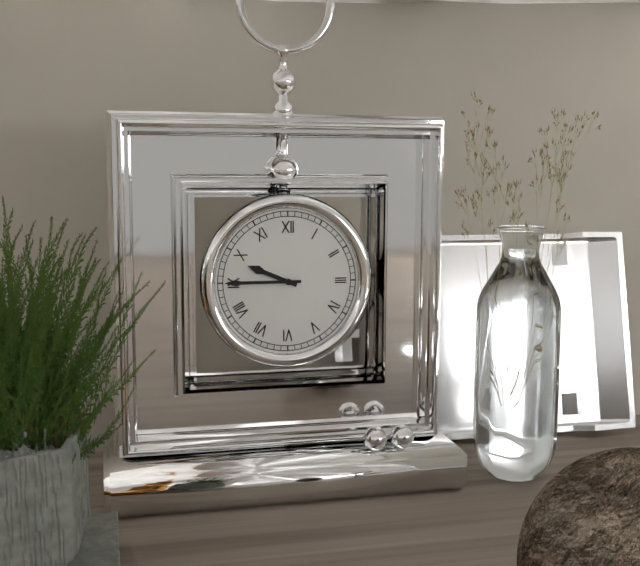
**9:45**
